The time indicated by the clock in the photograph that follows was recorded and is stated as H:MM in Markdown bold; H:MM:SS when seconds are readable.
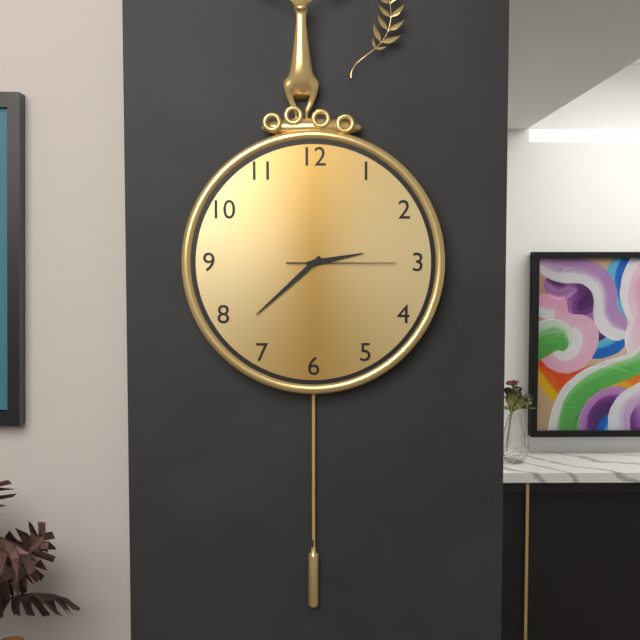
**2:38:15**
